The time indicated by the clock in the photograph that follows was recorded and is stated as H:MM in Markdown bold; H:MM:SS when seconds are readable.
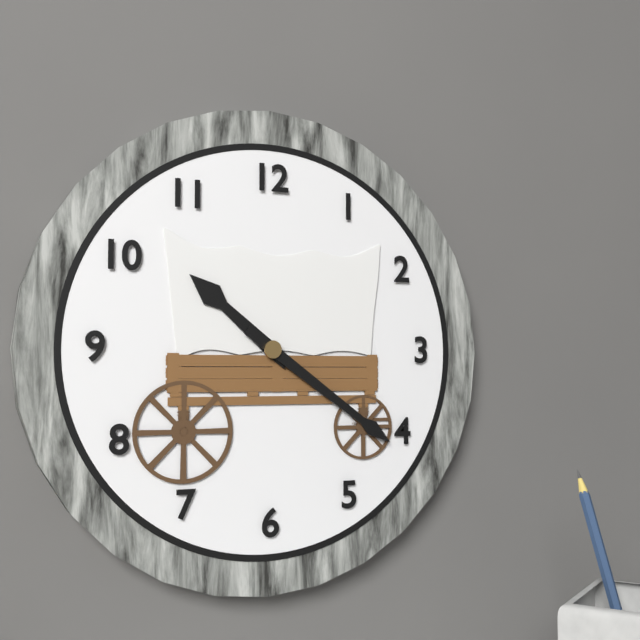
**10:21**
